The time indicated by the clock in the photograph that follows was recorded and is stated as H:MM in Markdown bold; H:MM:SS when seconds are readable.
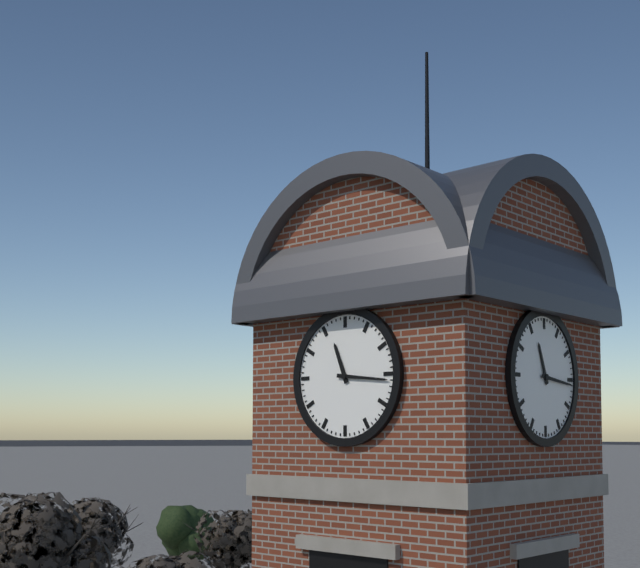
**11:16**
